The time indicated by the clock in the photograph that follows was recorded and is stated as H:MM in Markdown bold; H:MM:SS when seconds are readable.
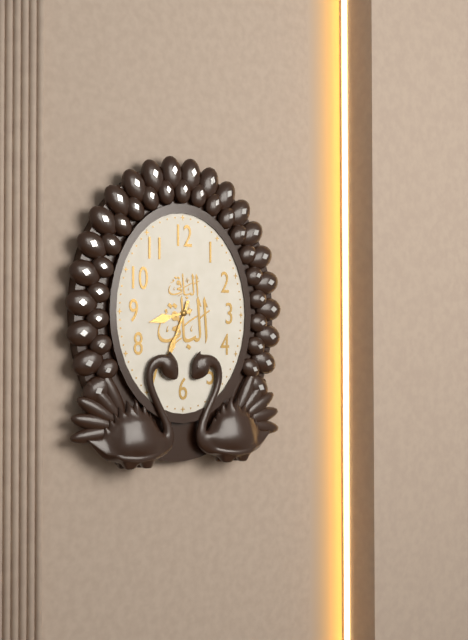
**8:34**
